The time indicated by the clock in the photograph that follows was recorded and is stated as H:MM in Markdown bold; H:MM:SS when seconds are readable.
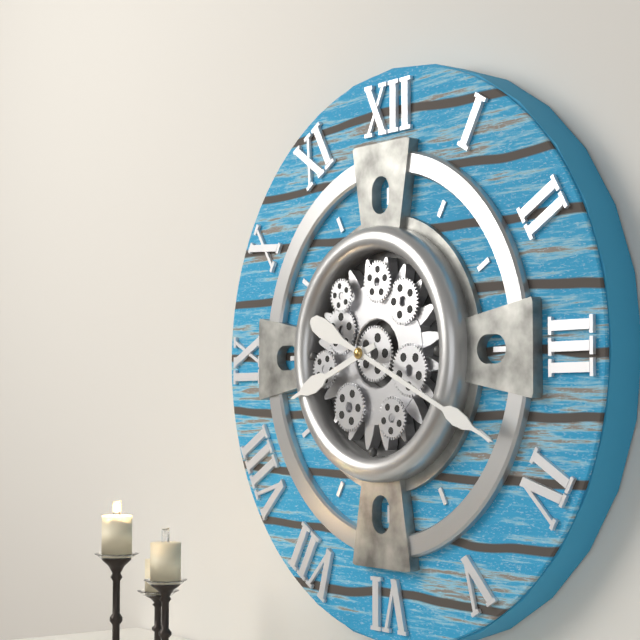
**8:19**
